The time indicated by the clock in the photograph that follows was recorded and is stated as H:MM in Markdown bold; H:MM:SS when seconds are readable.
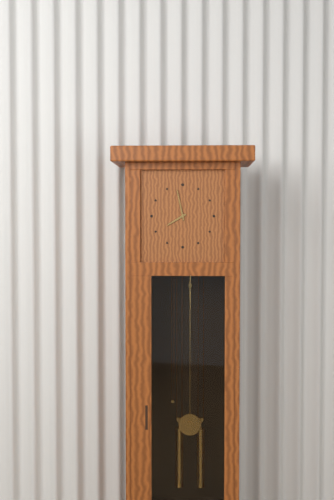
**7:58**
